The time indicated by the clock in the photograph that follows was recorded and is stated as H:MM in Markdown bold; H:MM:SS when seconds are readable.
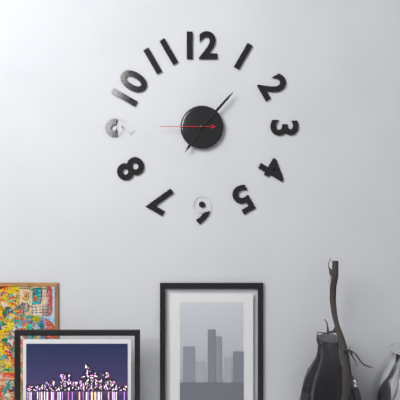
**7:07:45**
